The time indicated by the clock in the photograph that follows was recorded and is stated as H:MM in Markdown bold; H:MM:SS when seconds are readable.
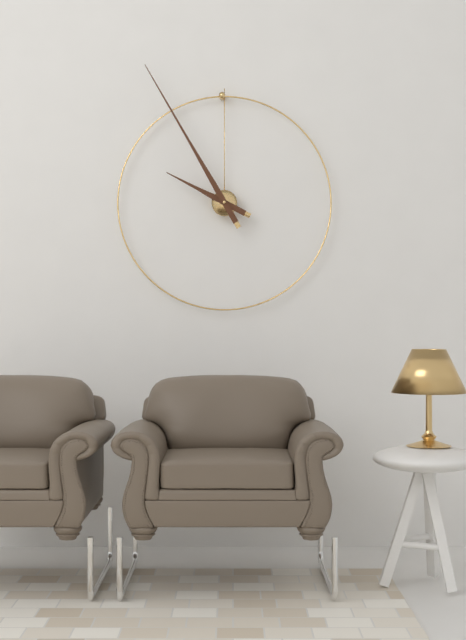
**9:55**
